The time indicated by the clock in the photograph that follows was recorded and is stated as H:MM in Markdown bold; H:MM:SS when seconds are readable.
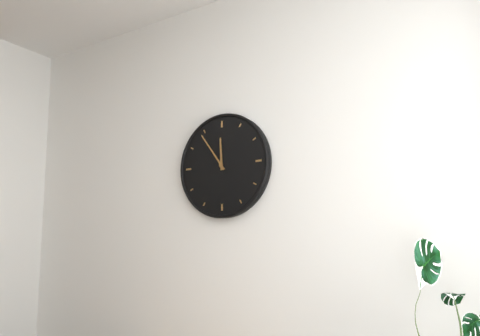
**11:54**
